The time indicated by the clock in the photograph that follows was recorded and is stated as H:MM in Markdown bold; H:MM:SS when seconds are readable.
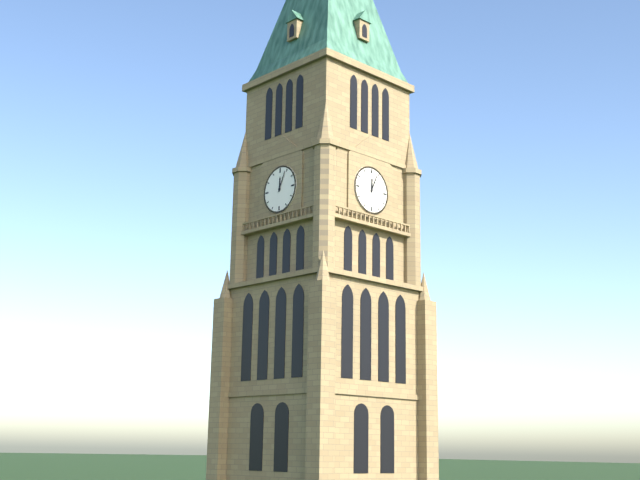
**12:04**
